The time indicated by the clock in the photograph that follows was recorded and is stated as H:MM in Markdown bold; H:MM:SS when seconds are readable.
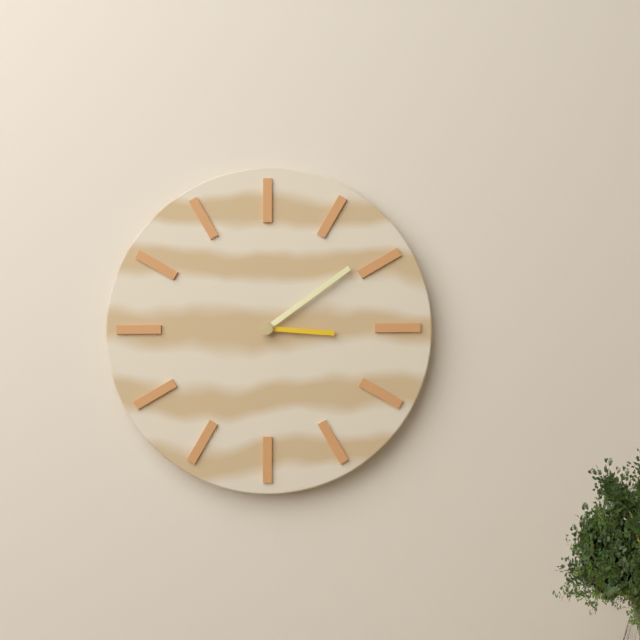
**3:09**
